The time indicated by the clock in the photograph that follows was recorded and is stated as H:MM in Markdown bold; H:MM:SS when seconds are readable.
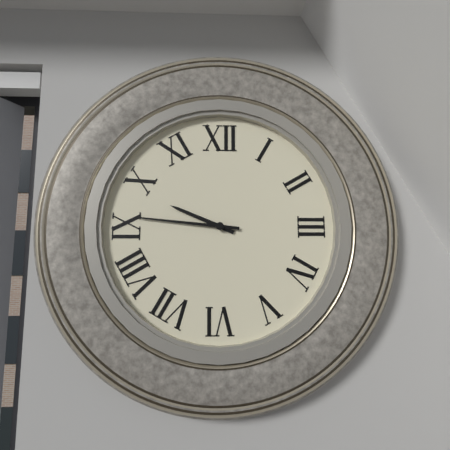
**9:46**
